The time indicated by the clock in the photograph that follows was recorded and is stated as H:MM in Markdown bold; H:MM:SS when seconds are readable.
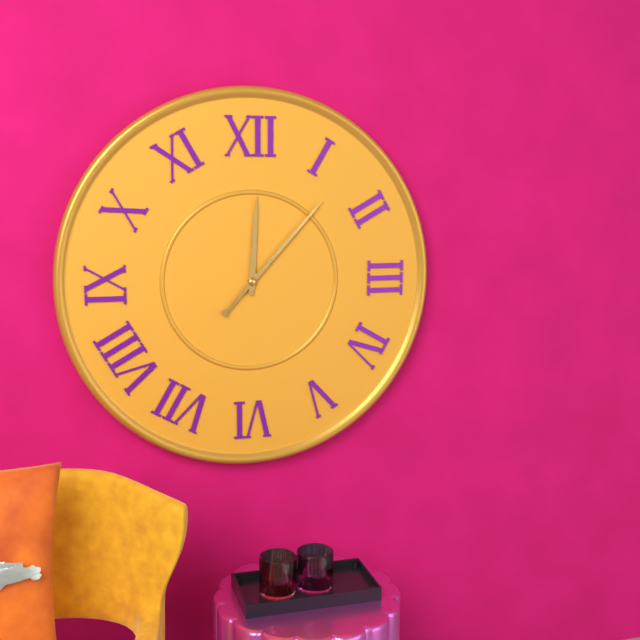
**12:07**
